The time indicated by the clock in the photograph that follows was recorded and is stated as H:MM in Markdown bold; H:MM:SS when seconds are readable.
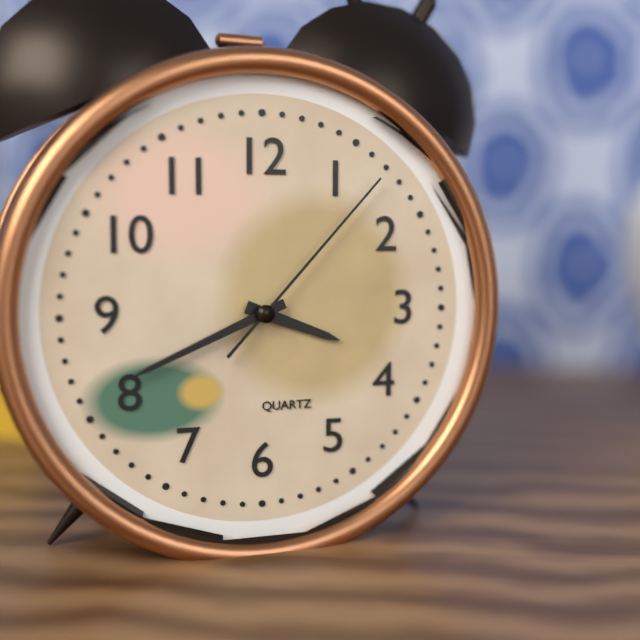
**3:41:07**
